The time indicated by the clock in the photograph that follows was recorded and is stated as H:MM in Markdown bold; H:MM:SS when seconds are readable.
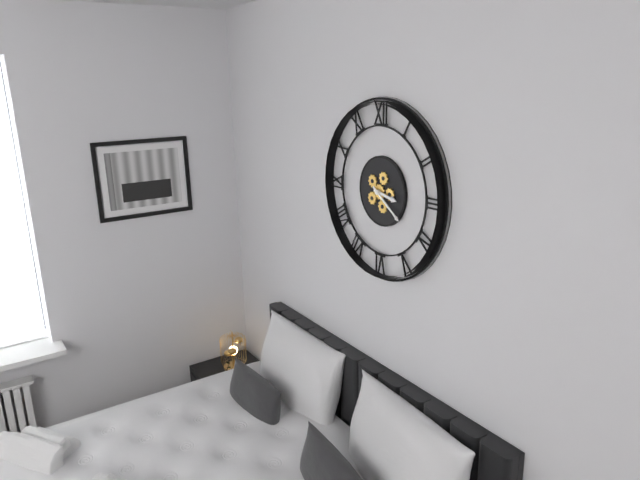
**3:21**
